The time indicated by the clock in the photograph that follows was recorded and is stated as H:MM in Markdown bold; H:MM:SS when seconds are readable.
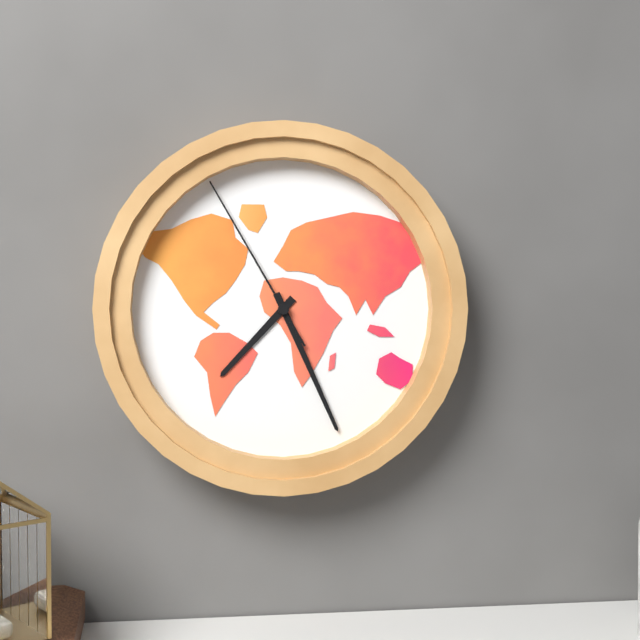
**7:26:55**
